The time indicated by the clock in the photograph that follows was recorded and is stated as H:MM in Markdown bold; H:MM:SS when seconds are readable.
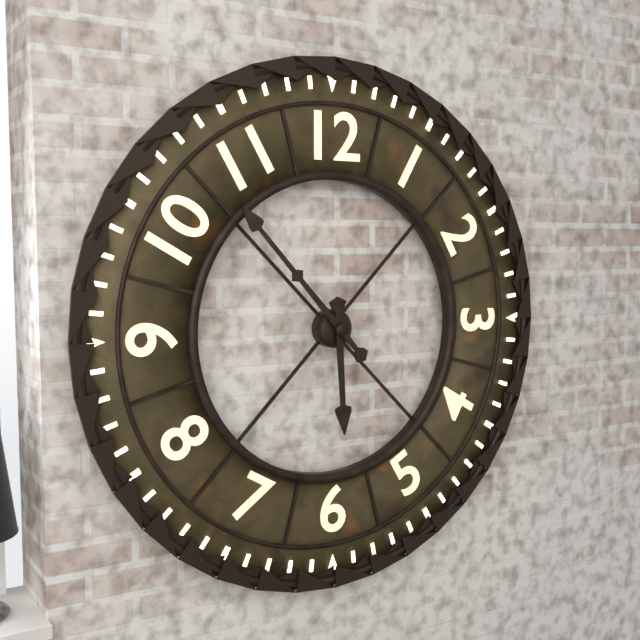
**5:53**
